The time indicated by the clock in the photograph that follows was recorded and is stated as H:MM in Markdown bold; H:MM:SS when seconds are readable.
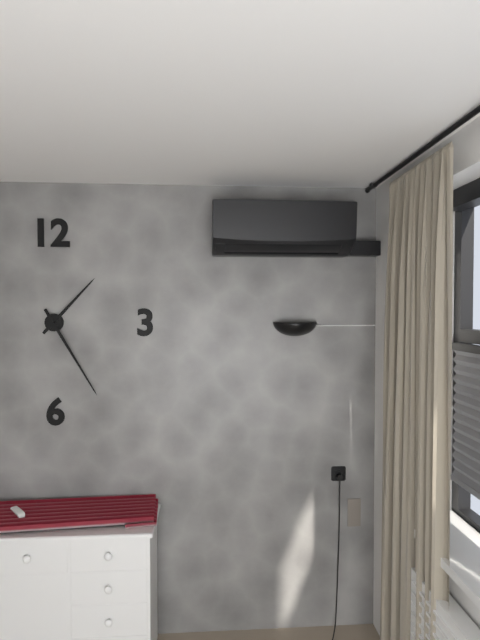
**1:25**
